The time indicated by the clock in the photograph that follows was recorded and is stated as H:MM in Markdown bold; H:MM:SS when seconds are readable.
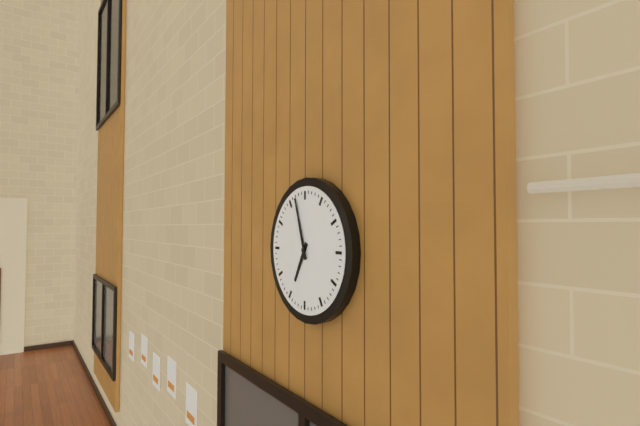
**6:57**
